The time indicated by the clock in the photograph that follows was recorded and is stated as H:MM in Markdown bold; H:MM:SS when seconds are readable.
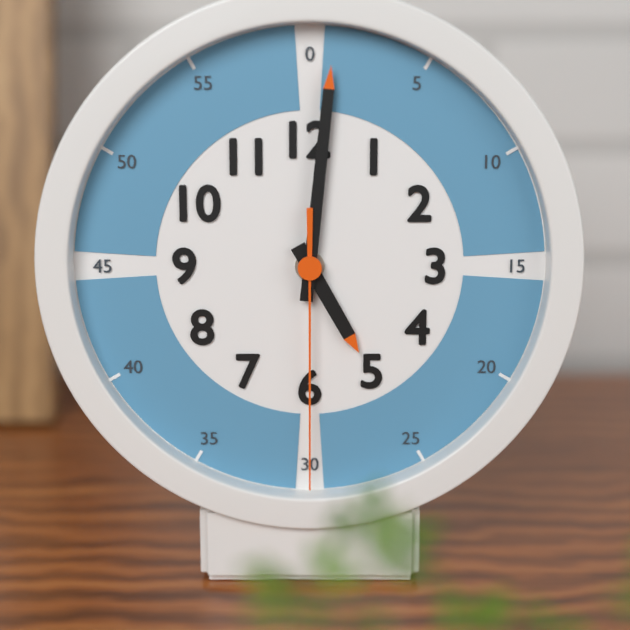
**5:01:30**
